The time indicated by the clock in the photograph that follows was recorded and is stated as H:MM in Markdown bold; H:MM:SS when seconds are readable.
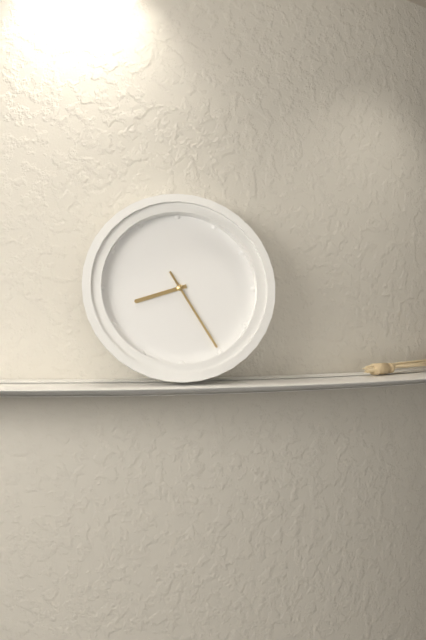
**8:25**
